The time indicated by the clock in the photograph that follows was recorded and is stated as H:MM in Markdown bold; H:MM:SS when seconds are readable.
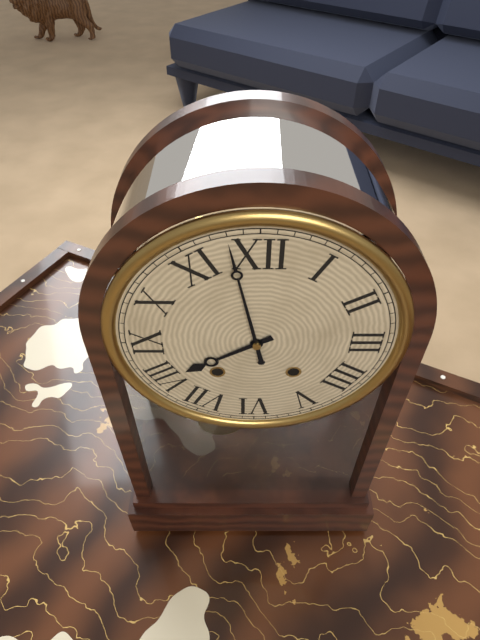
**7:58**
